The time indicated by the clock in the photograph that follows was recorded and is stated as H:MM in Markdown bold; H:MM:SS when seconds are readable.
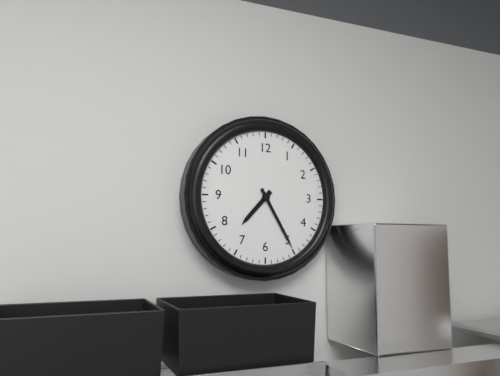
**7:25**
